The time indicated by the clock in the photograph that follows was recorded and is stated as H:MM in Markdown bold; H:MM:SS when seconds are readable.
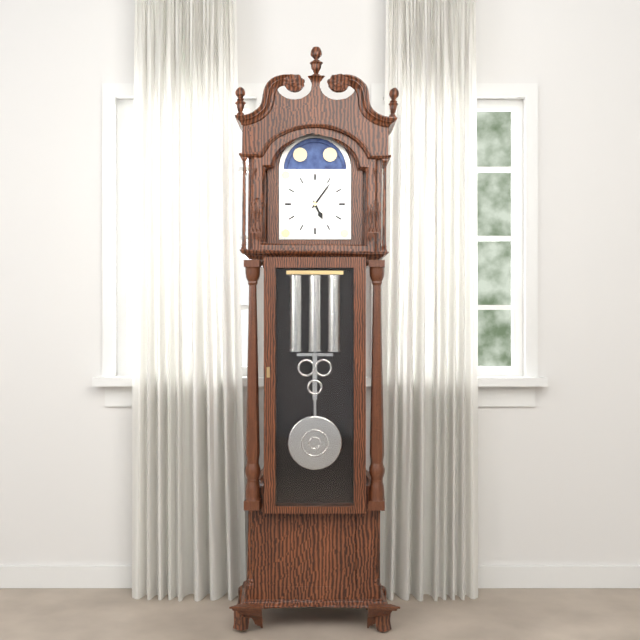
**5:06**
